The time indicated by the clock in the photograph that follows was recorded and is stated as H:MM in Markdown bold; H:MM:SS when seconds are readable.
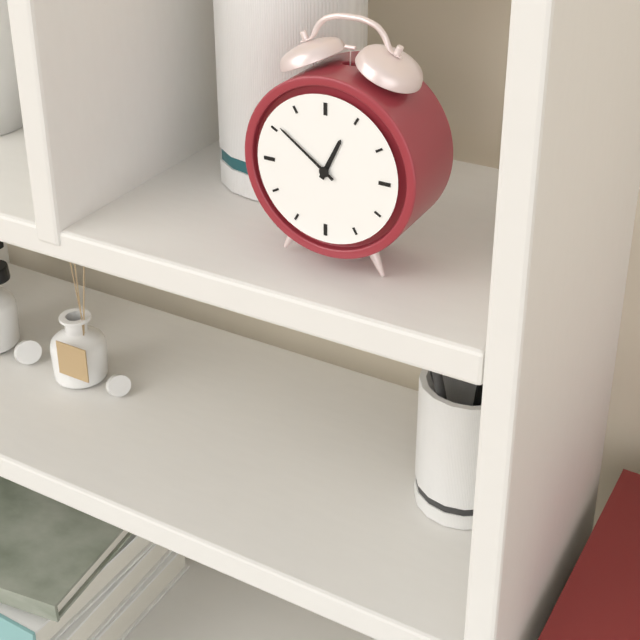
**12:51**
